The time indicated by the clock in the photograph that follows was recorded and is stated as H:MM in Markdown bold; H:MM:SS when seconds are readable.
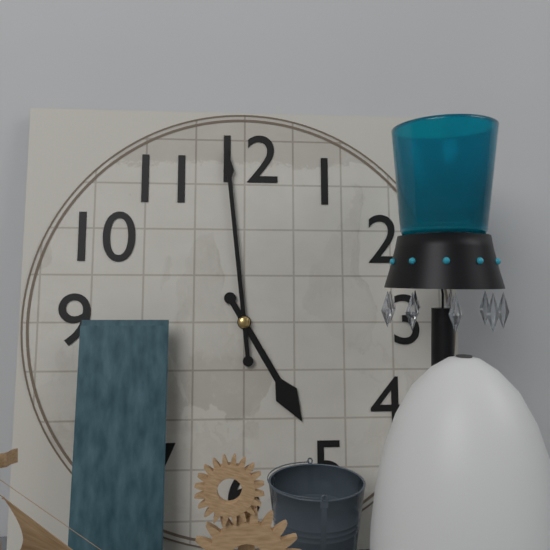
**4:59**
